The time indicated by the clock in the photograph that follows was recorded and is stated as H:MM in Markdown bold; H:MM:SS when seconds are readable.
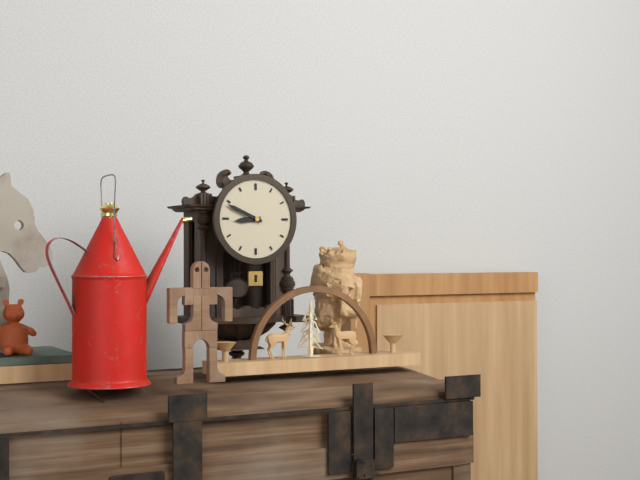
**8:49**
